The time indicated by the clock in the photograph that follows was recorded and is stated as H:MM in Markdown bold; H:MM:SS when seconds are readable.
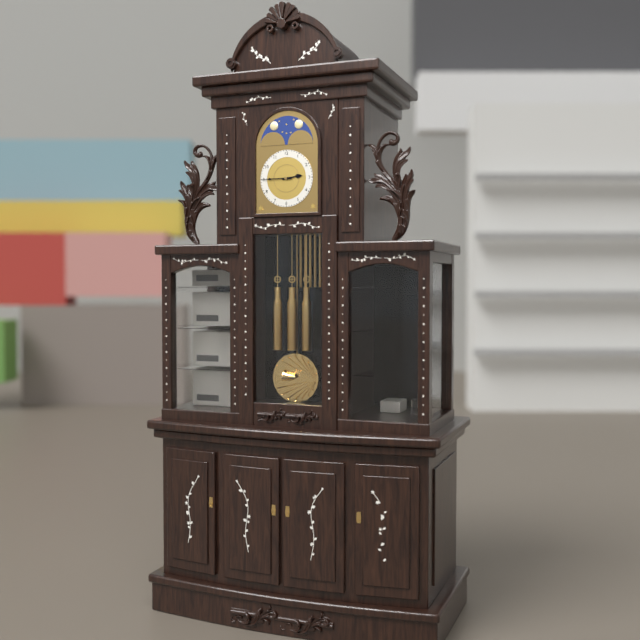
**2:45**
